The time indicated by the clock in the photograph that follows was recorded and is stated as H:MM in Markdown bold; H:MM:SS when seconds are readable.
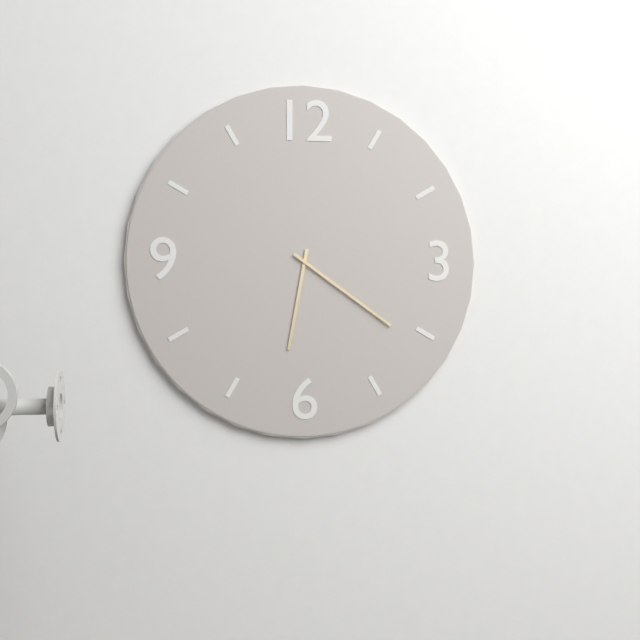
**6:21**
